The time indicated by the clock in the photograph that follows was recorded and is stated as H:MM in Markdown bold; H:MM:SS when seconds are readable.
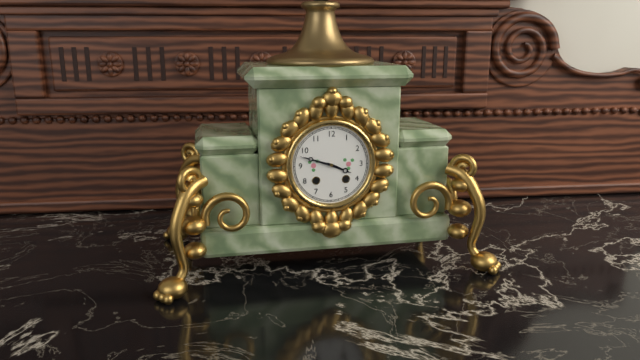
**3:48**
